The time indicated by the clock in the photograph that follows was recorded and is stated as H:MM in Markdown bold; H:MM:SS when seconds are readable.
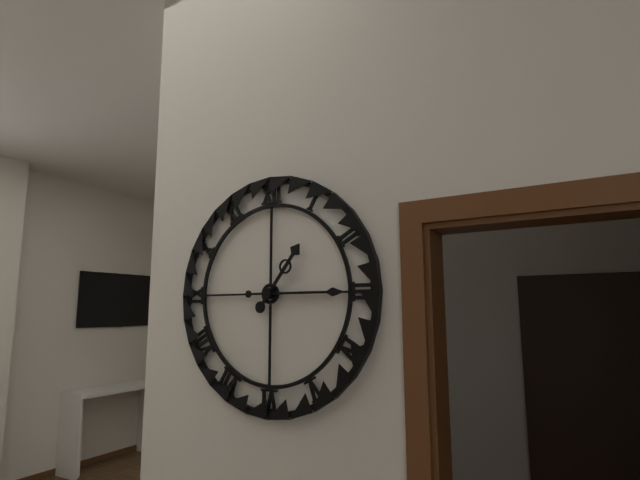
**1:15**
